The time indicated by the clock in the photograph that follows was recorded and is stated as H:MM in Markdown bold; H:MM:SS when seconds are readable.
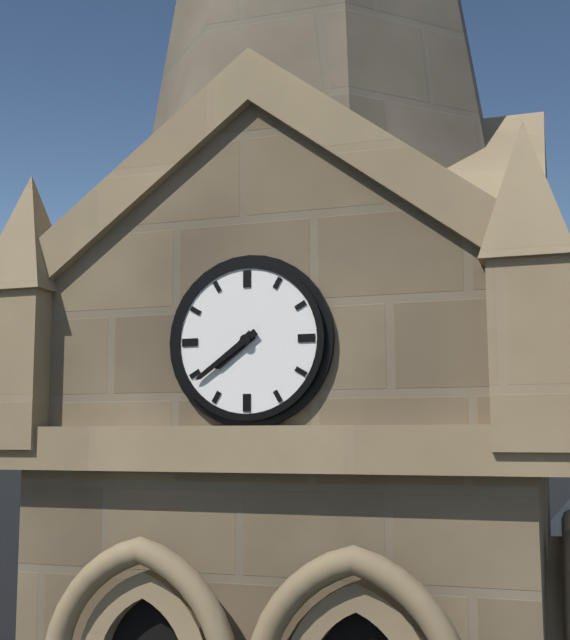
**7:39**
